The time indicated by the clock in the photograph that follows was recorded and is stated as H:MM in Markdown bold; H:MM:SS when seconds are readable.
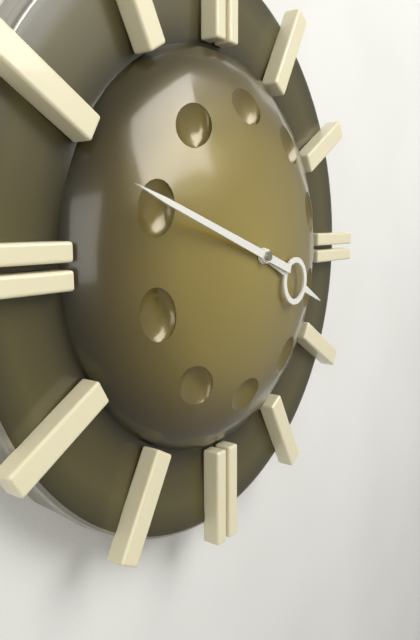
**3:48**
